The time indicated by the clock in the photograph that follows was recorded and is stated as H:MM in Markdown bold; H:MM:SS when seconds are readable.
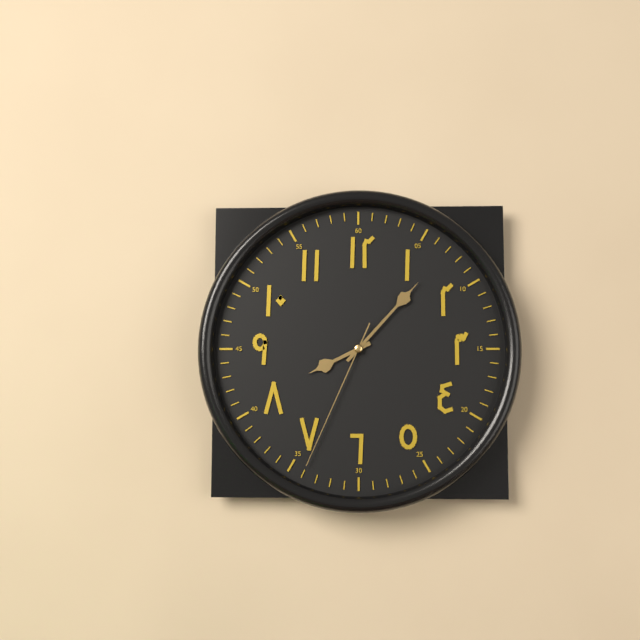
**8:07:34**
